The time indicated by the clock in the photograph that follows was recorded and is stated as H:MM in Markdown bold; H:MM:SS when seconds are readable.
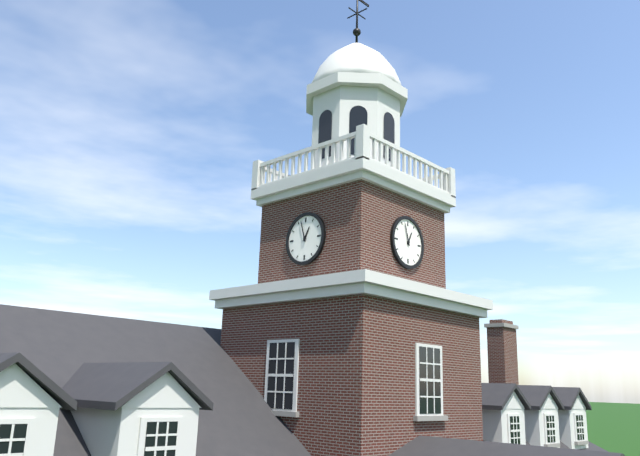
**12:57**
